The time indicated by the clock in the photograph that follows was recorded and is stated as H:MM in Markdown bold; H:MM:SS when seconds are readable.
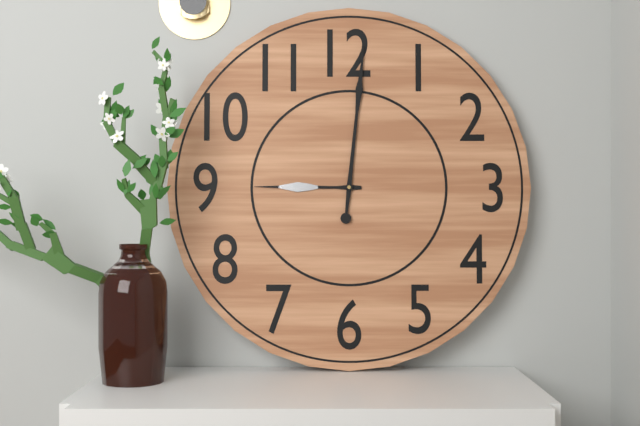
**9:01**
